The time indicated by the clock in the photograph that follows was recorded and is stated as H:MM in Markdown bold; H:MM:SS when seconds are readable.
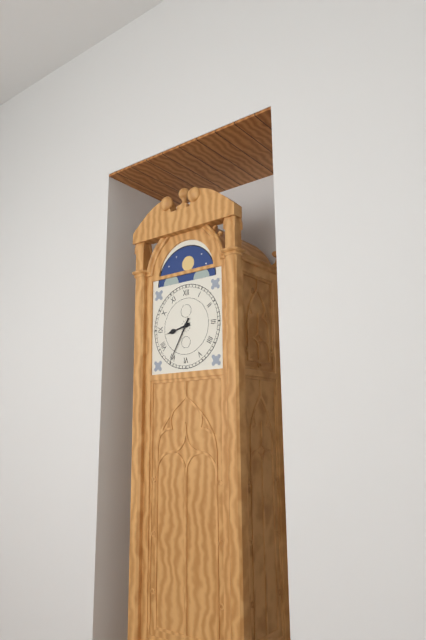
**8:35**
